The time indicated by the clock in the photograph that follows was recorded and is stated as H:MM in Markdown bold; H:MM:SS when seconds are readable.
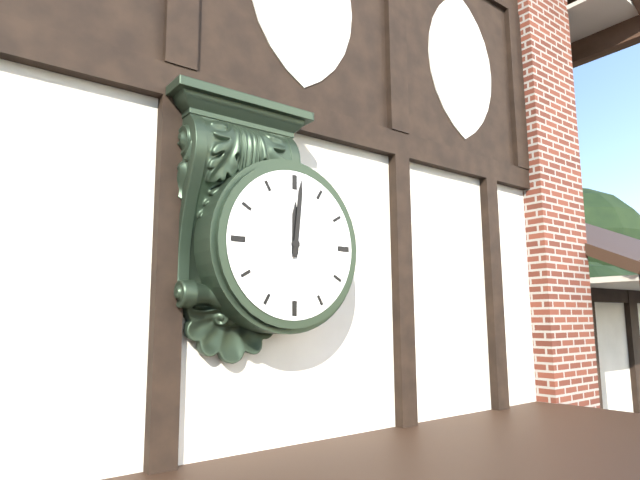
**12:01**
